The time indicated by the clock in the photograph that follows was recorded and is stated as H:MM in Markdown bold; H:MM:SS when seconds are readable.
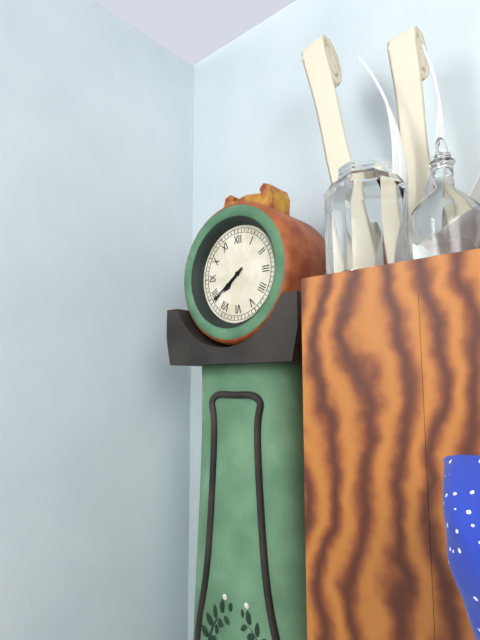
**7:39**
